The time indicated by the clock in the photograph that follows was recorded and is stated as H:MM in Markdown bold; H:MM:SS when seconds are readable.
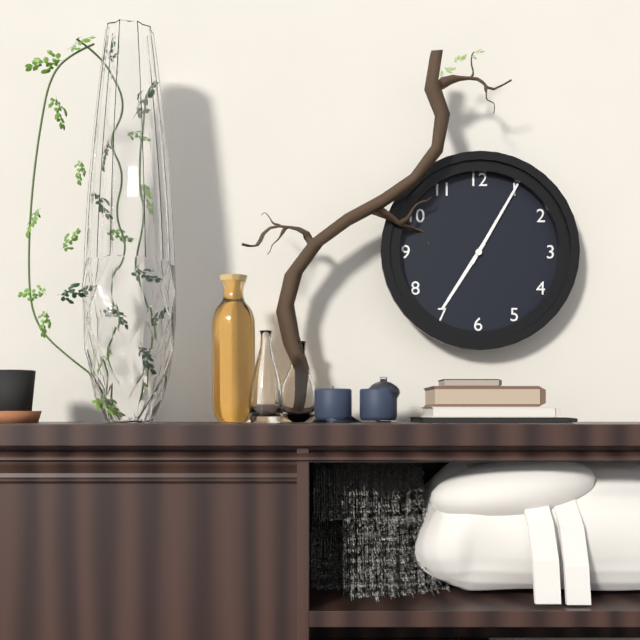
**7:05**
